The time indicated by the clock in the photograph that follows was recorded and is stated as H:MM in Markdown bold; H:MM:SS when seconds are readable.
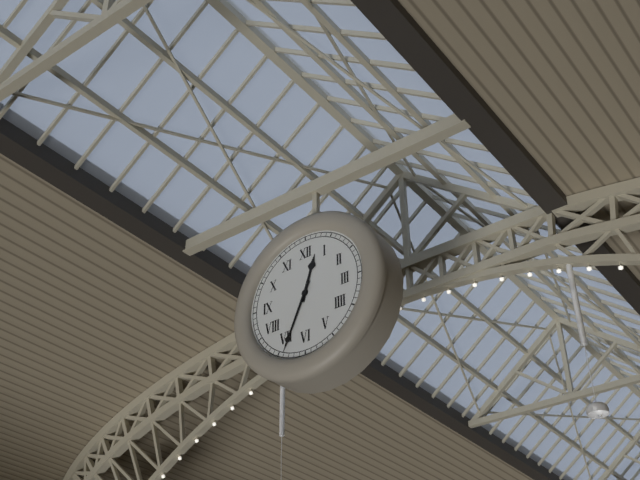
**12:34**
